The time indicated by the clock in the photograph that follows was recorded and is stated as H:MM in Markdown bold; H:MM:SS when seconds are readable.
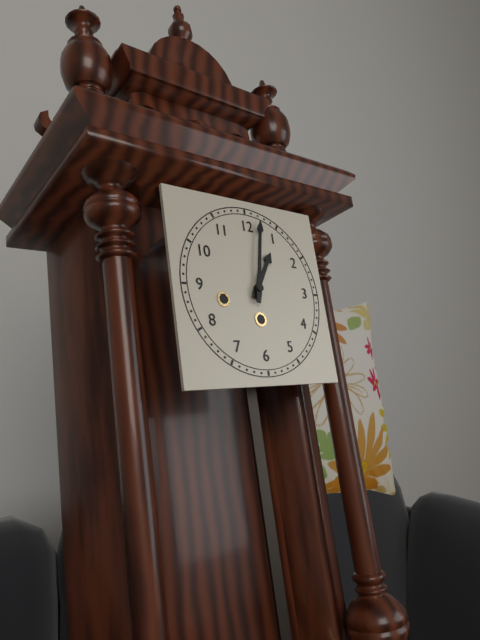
**1:02**
